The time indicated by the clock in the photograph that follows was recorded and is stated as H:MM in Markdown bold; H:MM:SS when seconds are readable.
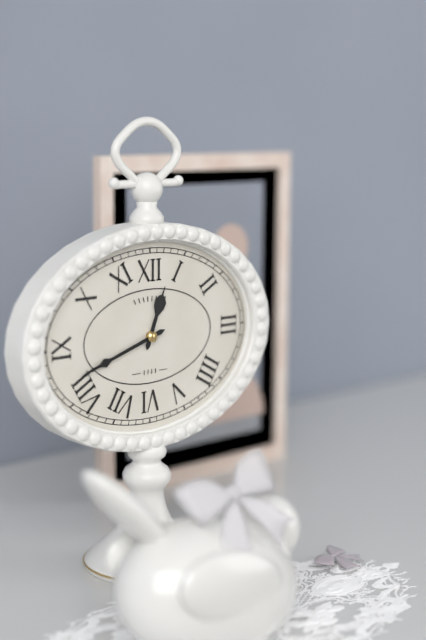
**12:42**
